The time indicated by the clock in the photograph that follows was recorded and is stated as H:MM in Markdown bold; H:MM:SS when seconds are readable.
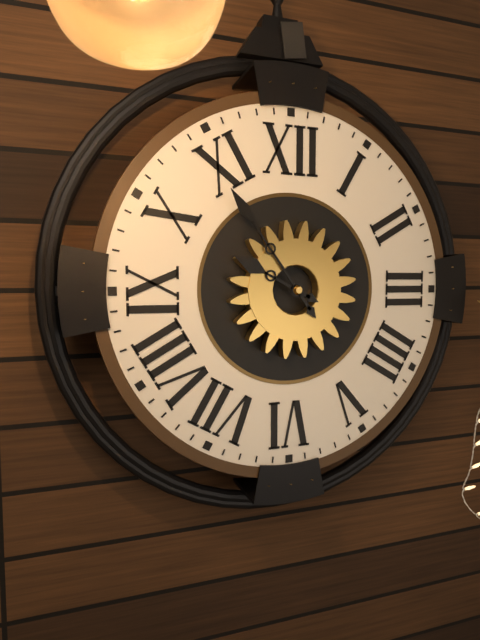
**9:54**
